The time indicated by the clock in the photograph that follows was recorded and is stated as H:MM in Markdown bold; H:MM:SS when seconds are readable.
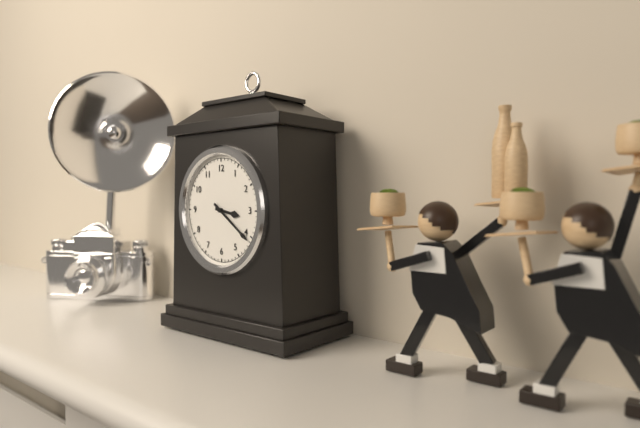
**3:21**
